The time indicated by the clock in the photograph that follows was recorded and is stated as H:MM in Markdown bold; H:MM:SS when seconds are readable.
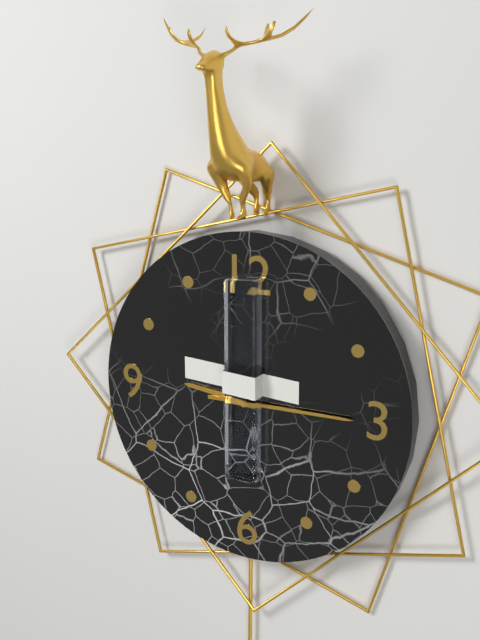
**9:15**
